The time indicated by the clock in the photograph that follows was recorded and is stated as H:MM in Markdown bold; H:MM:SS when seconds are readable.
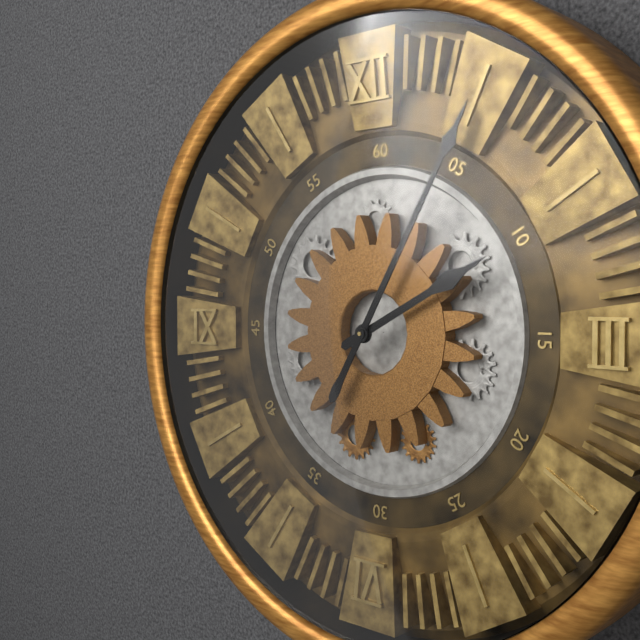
**2:05**
